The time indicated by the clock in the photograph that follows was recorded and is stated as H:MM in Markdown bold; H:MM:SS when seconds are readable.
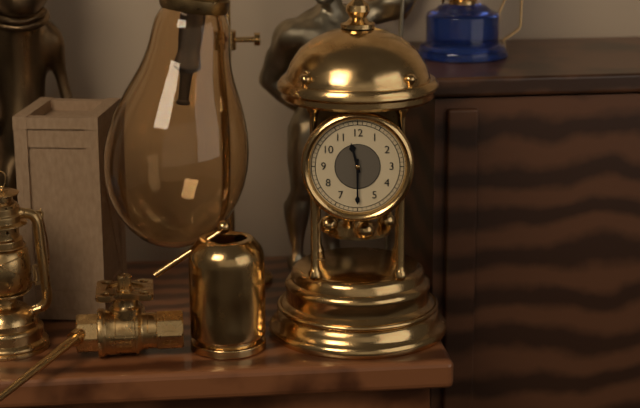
**11:30**
